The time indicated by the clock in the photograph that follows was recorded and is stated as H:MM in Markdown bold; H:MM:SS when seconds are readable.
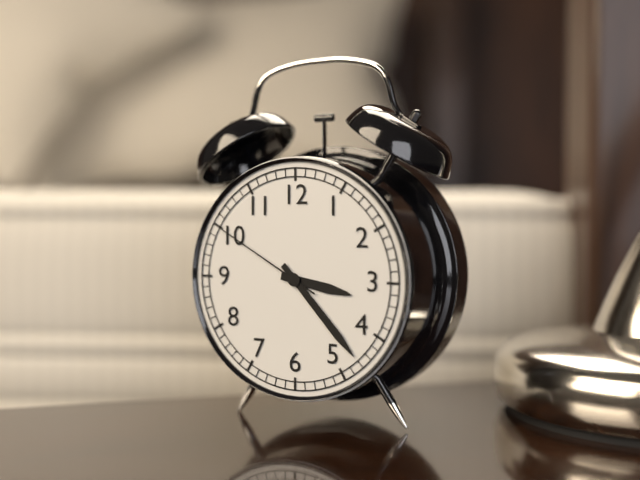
**3:23:50**
